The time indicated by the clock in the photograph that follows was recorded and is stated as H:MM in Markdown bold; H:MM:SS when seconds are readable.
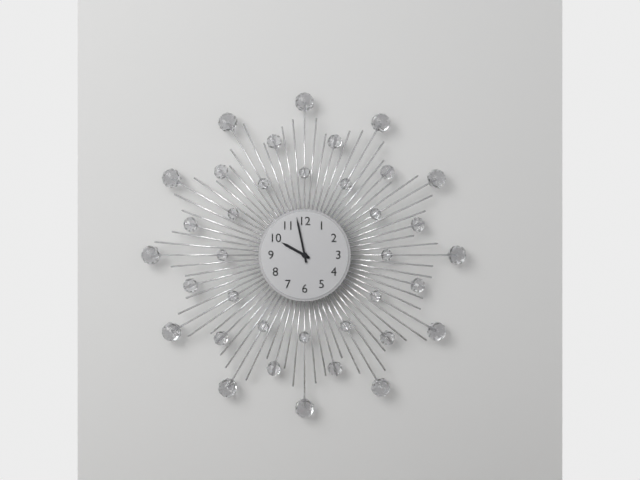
**9:58**
